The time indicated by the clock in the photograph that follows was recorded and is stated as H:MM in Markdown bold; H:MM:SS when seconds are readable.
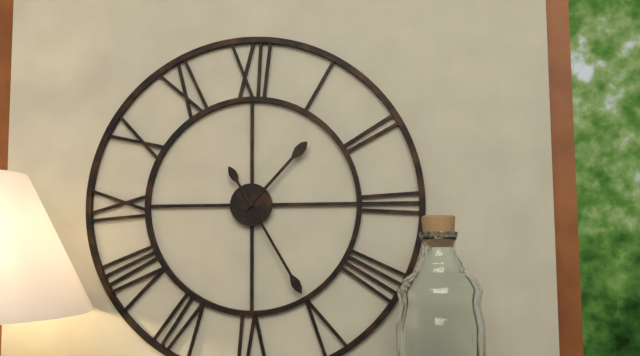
**1:25**
